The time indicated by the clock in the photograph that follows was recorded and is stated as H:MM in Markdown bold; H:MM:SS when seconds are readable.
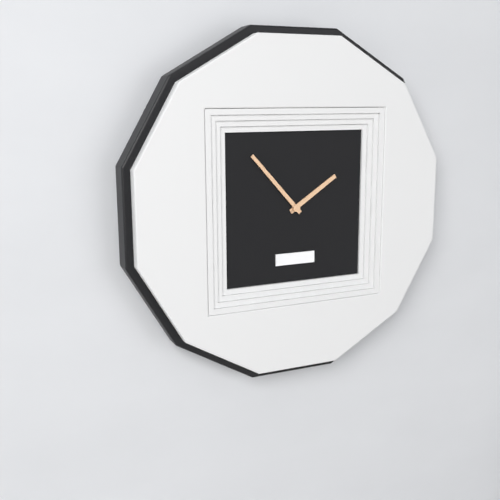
**1:53**
